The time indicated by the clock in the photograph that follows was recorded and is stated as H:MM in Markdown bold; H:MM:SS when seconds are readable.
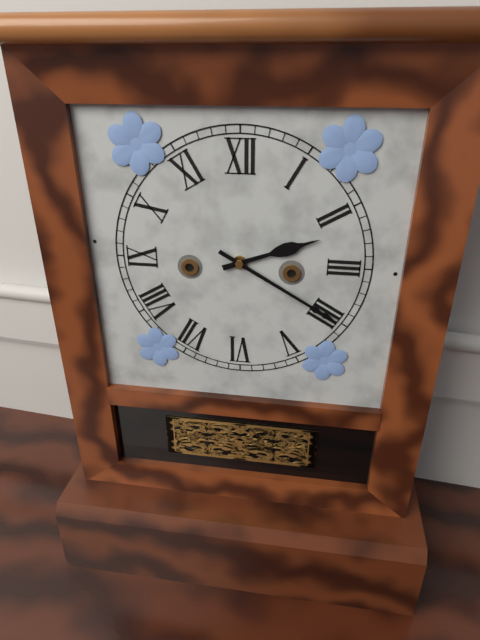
**2:20**
